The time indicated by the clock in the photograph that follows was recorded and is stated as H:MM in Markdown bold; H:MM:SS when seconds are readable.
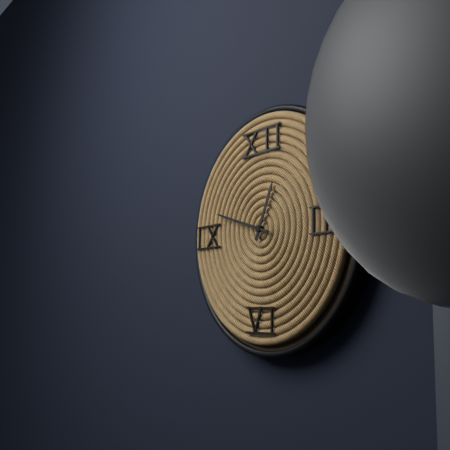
**12:48**
